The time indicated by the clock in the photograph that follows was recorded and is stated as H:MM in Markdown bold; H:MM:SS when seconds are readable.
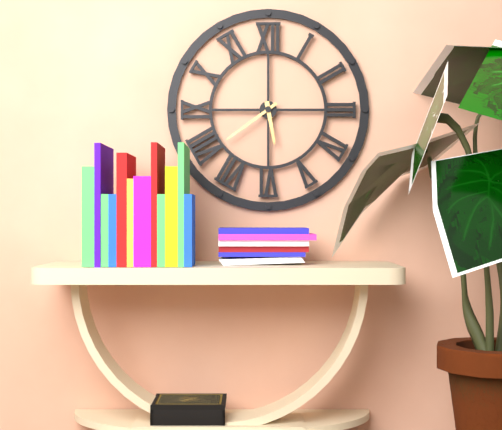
**5:39**
